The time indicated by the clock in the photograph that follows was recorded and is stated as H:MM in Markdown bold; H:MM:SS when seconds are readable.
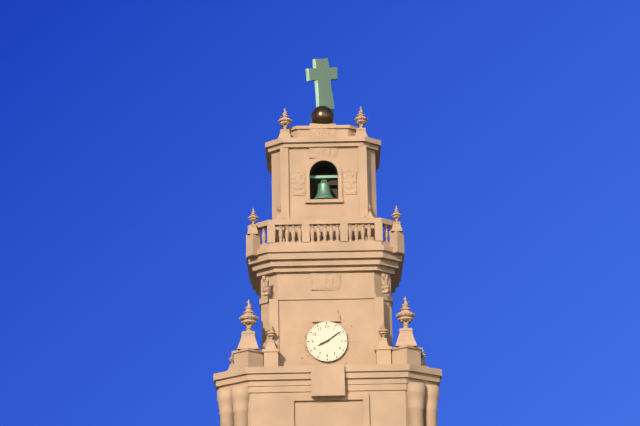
**8:09**
